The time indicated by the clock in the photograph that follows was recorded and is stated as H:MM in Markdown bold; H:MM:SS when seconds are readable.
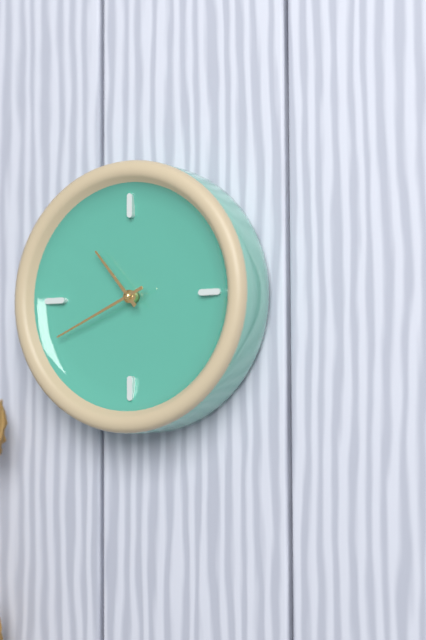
**10:41**
